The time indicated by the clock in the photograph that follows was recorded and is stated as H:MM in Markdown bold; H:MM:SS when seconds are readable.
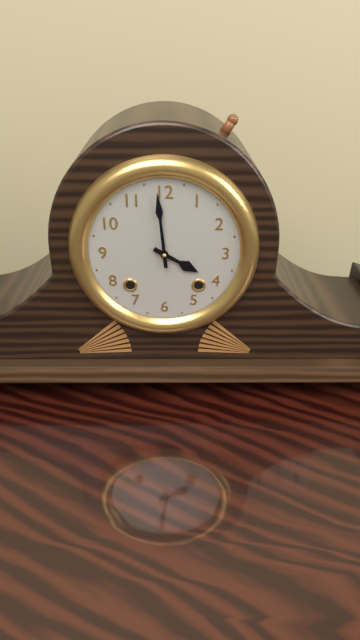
**3:59**
